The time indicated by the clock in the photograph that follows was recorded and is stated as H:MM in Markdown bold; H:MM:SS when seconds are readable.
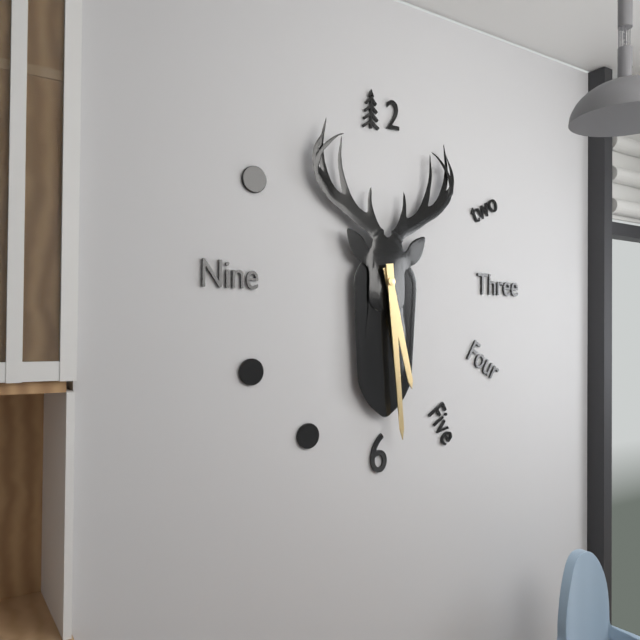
**5:29**
